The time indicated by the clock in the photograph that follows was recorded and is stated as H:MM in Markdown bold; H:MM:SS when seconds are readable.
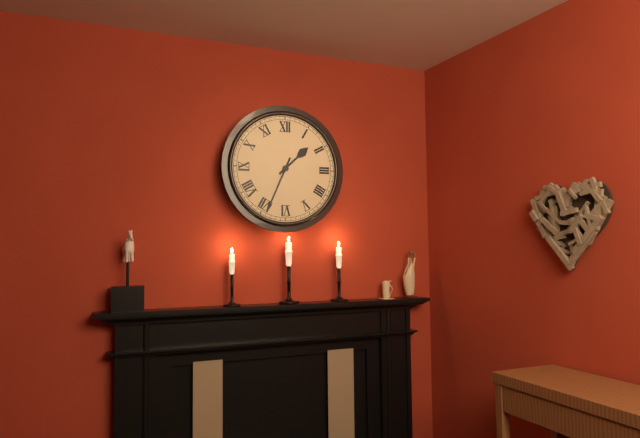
**1:34**
